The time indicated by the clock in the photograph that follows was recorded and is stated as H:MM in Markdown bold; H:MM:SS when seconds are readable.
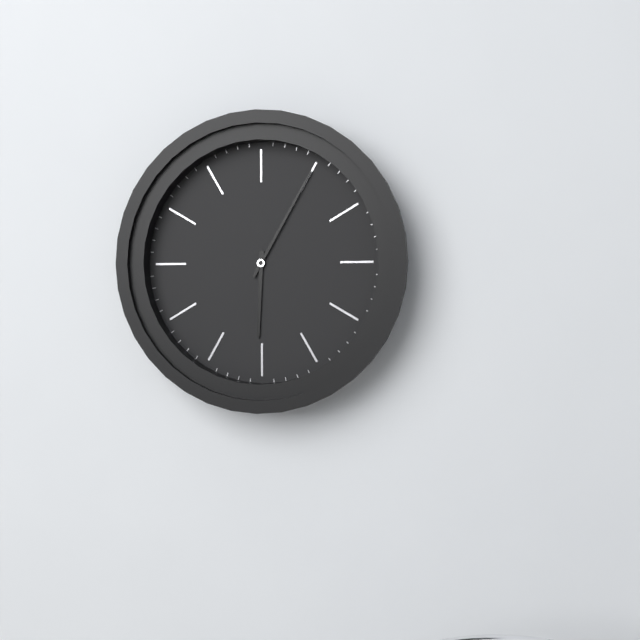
**6:05**
